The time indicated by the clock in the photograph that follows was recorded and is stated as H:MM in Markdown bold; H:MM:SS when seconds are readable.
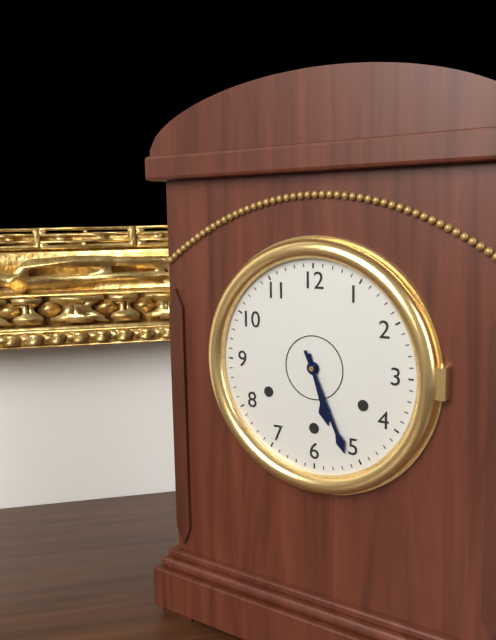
**5:26**
